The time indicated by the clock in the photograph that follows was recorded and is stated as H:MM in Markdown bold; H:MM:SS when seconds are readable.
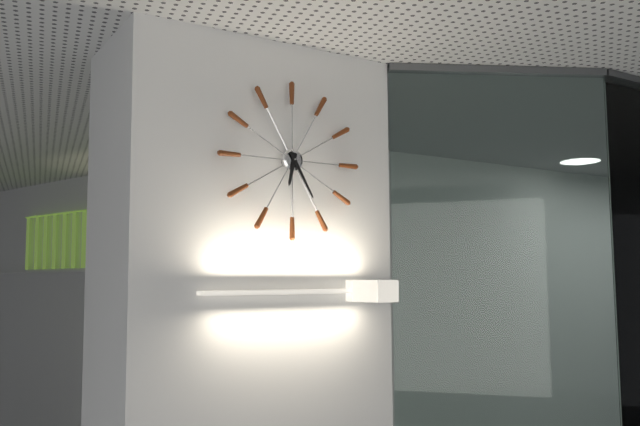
**6:25**
